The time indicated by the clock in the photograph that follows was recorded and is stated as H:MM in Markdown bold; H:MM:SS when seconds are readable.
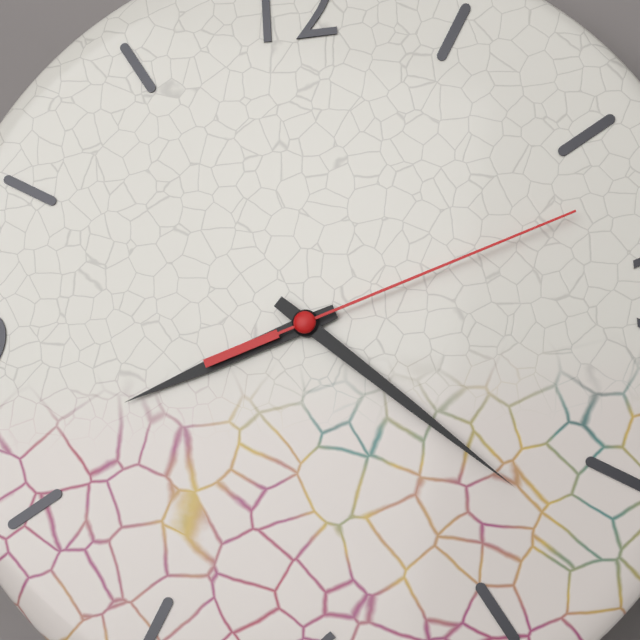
**8:22:12**
